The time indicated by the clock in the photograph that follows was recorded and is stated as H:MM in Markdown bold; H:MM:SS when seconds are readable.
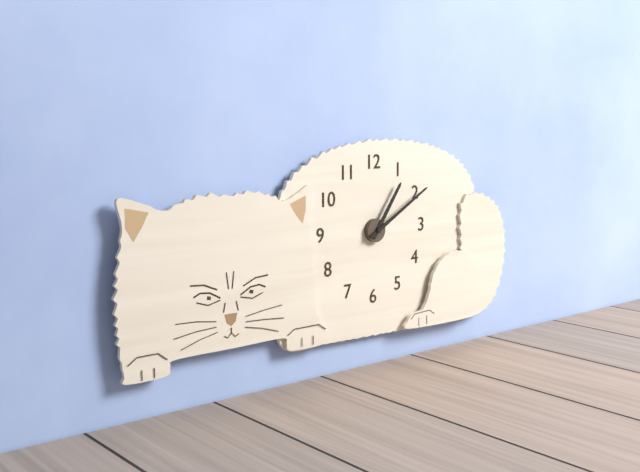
**1:10**
